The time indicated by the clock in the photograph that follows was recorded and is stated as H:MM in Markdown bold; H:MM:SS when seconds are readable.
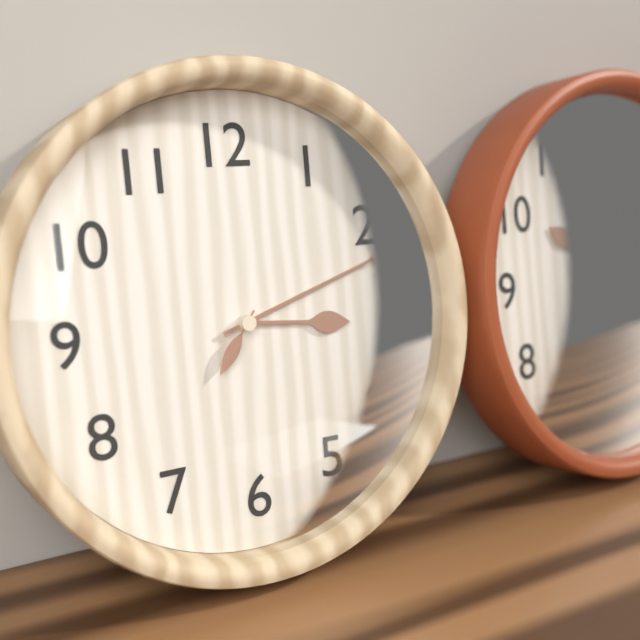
**3:12:36**
